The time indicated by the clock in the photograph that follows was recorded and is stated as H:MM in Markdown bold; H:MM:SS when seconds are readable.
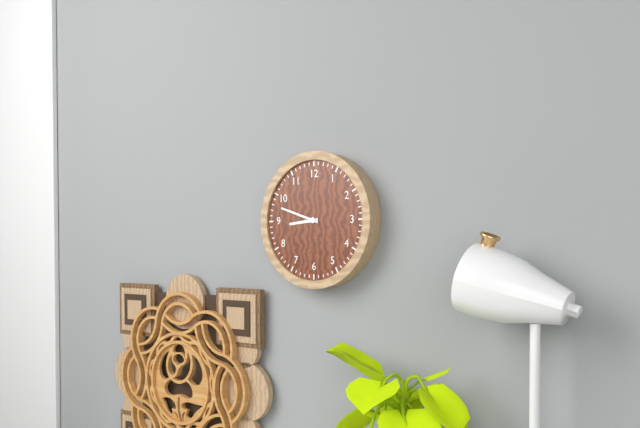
**8:48**
